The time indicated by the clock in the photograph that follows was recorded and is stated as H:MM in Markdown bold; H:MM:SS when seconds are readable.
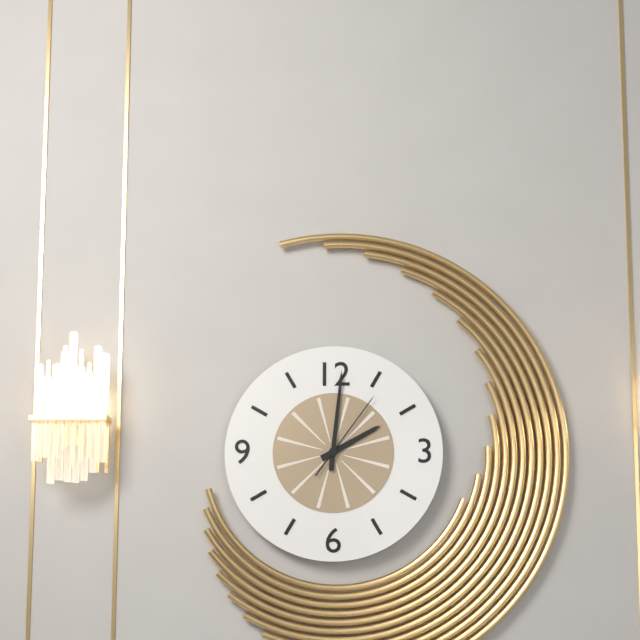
**2:01:06**
